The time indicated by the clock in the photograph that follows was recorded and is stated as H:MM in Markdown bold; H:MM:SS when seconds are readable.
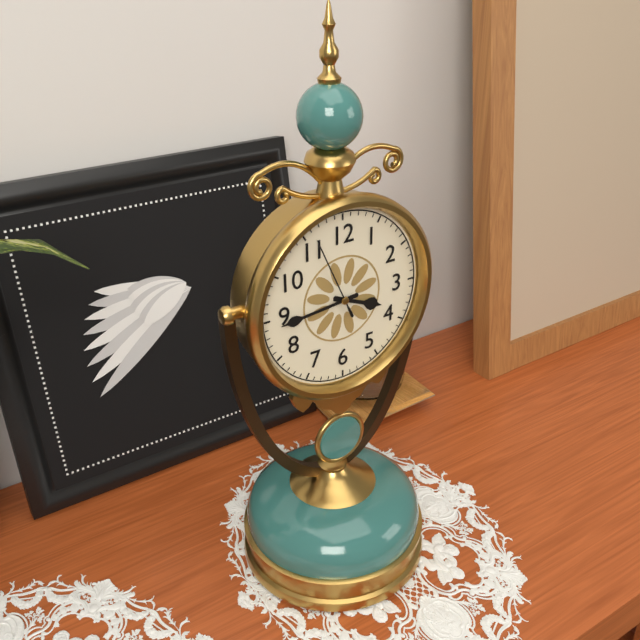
**3:44:56**
